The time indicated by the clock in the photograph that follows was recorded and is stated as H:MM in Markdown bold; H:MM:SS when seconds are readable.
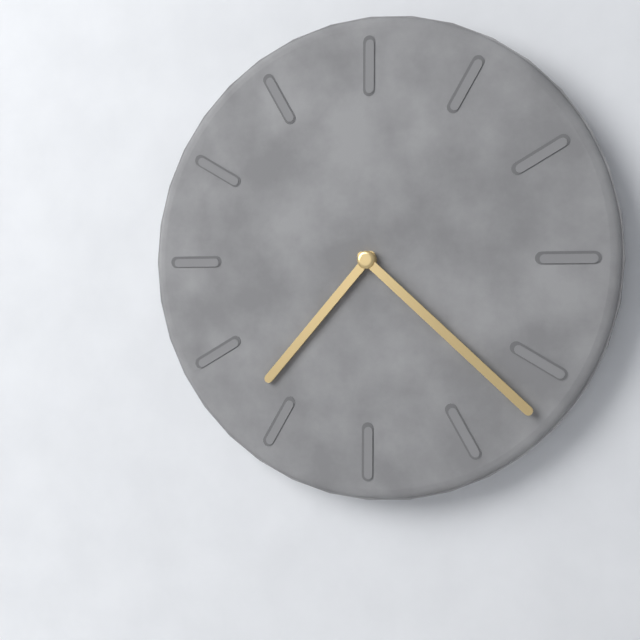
**7:22**
